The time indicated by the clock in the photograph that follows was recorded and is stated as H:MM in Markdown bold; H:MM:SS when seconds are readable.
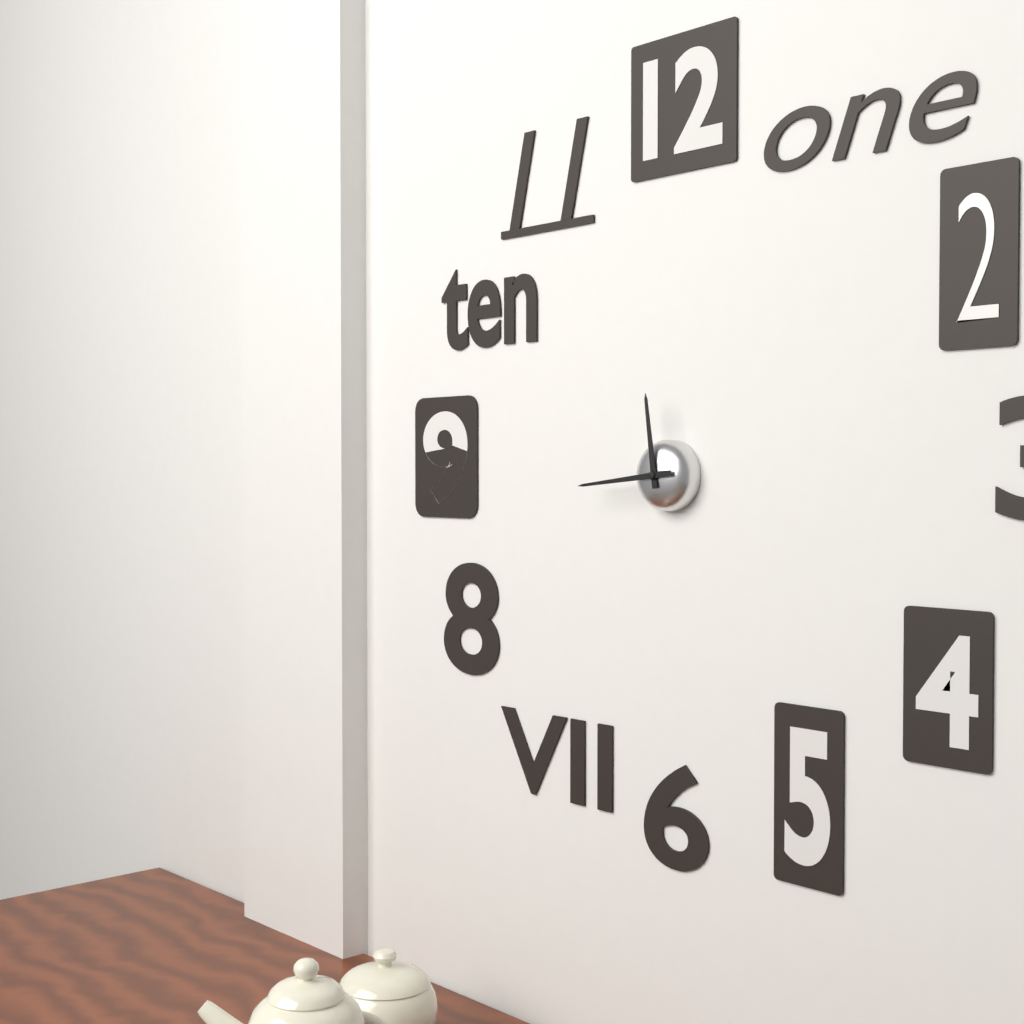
**11:44**
